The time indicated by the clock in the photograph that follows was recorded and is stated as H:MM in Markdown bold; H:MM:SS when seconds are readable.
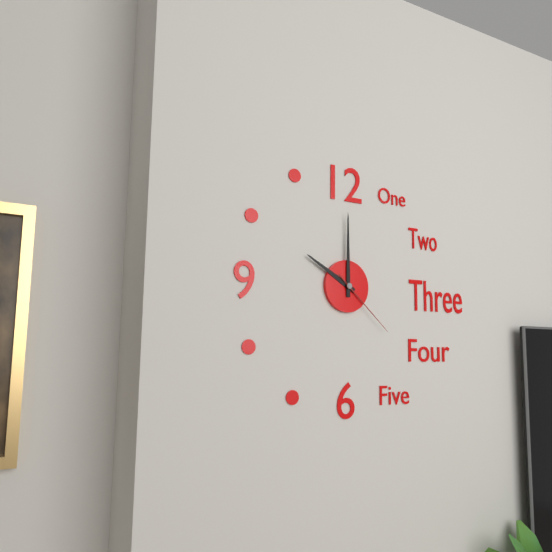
**10:00:22**
